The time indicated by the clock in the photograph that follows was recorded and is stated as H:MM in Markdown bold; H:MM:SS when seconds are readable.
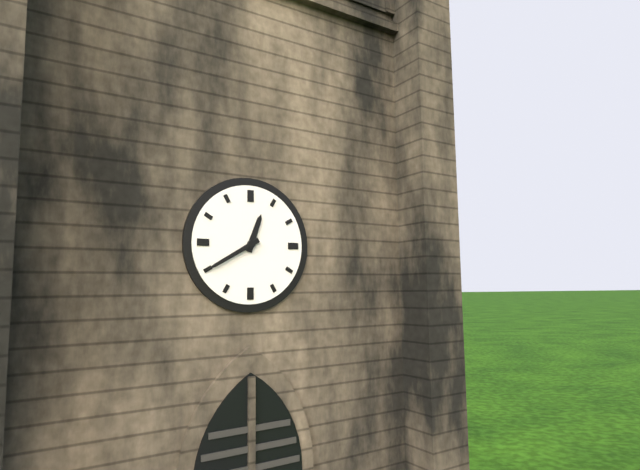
**12:40**
